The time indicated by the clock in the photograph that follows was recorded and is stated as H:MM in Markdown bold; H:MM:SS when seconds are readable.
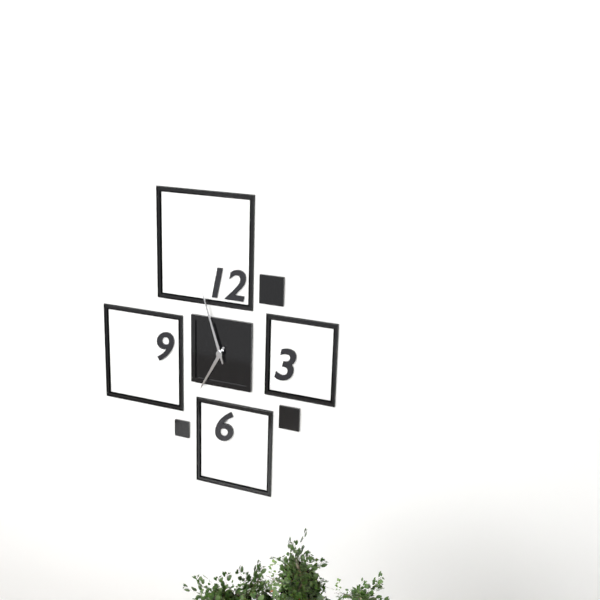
**6:57**
